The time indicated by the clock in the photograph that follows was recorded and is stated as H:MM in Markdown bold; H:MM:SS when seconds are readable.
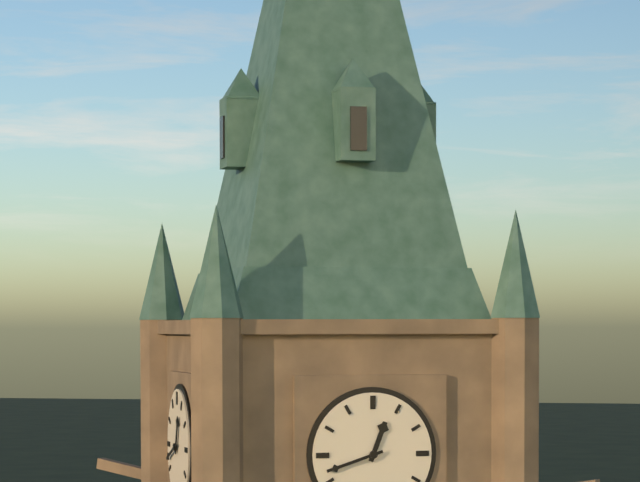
**12:42**
